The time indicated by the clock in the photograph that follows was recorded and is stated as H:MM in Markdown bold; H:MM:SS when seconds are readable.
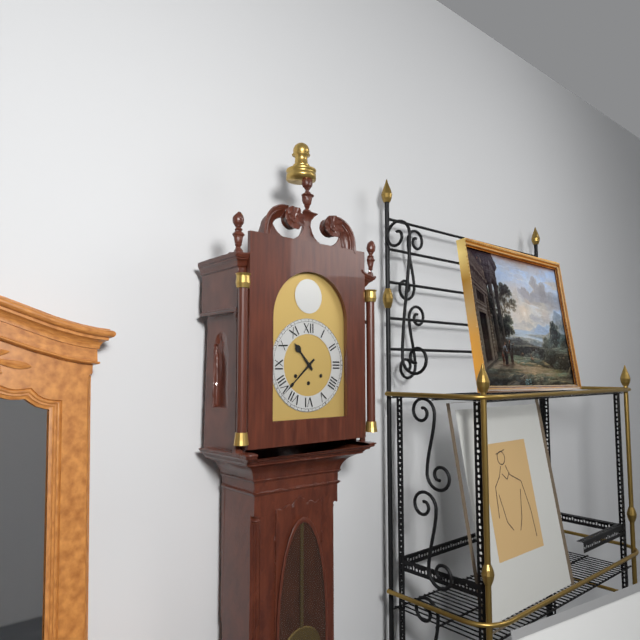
**10:38**
